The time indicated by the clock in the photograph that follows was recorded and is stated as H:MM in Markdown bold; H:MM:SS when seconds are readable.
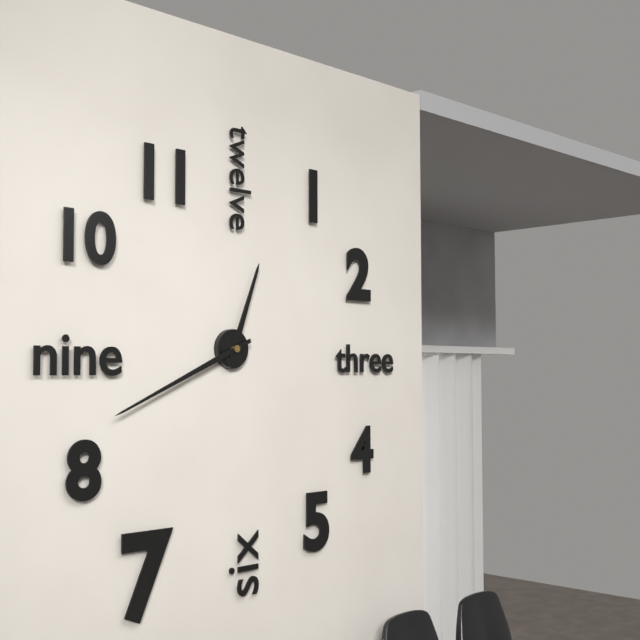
**12:41**
